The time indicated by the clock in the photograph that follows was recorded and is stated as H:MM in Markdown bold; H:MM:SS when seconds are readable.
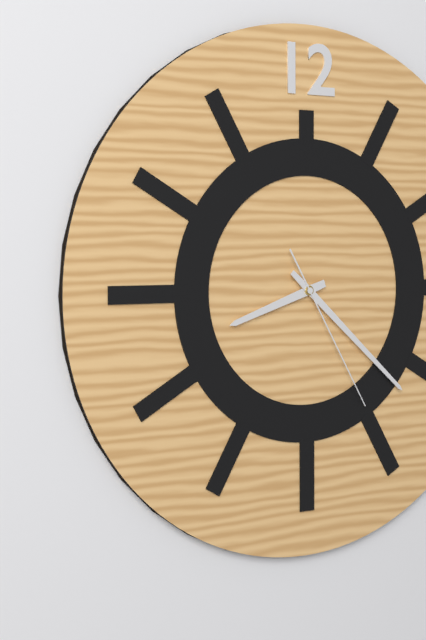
**8:22:25**
